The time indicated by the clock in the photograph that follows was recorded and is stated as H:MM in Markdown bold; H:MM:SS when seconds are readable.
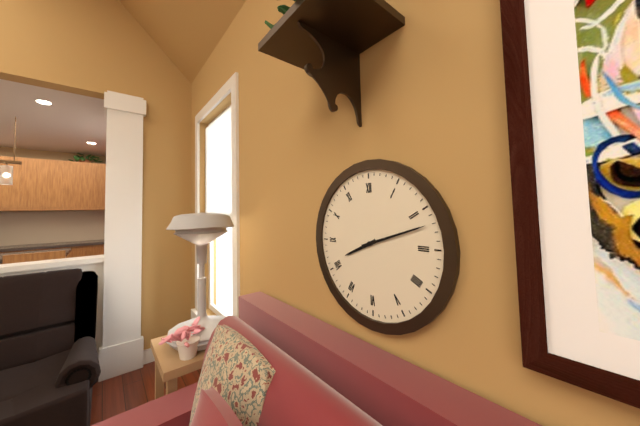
**8:12**
